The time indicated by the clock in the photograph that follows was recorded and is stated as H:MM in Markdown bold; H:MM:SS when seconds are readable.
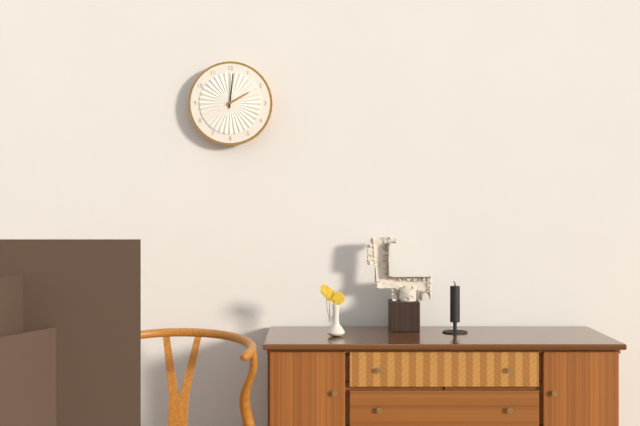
**2:01**
